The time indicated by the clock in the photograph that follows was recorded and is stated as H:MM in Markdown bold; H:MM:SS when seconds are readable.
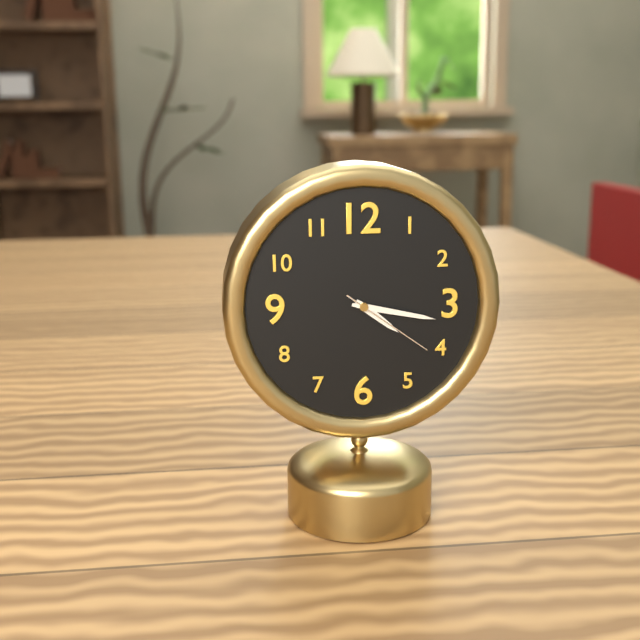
**4:17:21**
